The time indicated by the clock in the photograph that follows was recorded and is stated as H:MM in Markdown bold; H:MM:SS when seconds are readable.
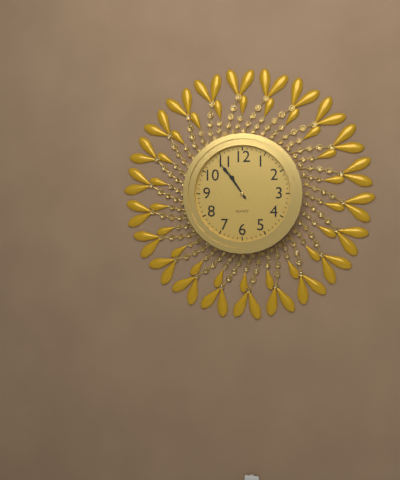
**10:54**
